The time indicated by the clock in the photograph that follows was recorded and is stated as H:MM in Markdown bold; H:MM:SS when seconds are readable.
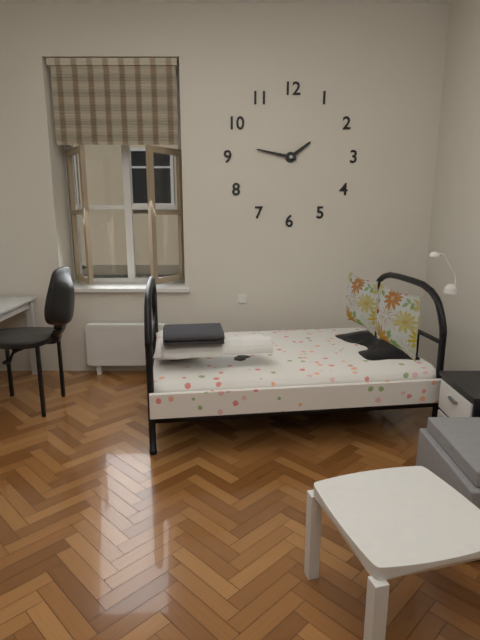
**1:47**
